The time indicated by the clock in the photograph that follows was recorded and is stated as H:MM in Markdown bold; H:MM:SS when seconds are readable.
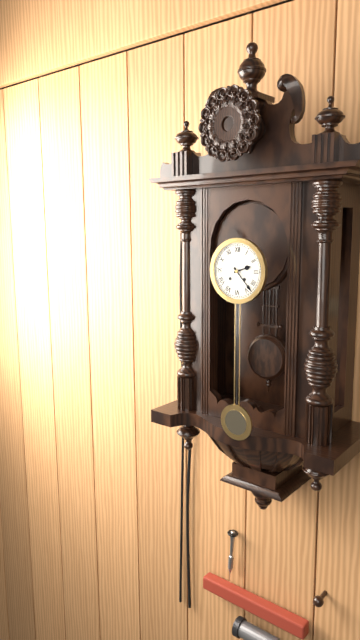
**2:23**
